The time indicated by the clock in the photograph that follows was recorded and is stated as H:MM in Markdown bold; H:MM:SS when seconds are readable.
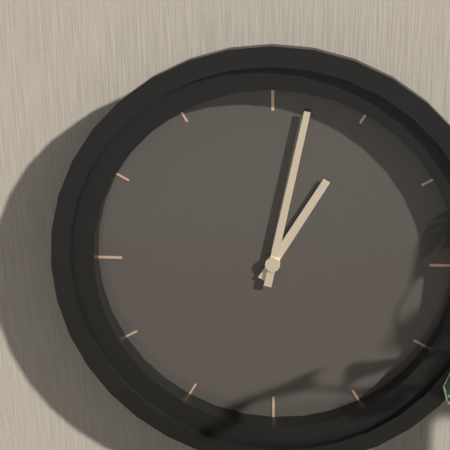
**1:02**
